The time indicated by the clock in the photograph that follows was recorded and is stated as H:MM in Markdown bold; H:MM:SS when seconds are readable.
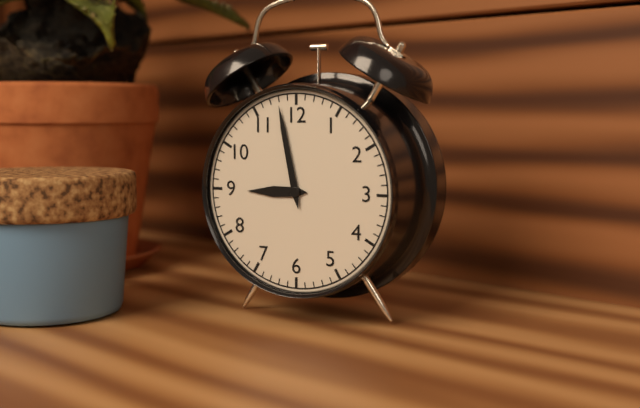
**8:58**
